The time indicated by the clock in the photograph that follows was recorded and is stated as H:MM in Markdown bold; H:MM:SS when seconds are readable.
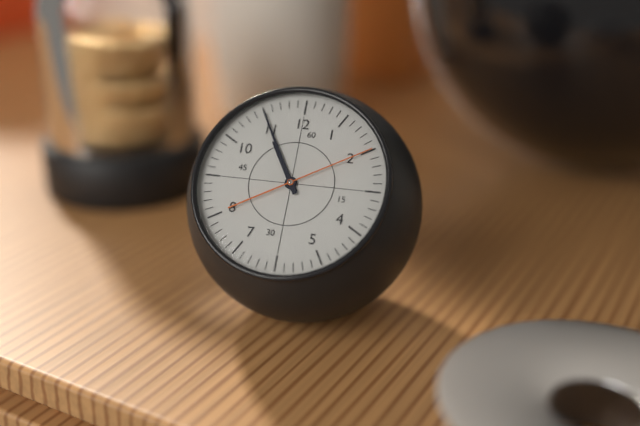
**10:55:10**
